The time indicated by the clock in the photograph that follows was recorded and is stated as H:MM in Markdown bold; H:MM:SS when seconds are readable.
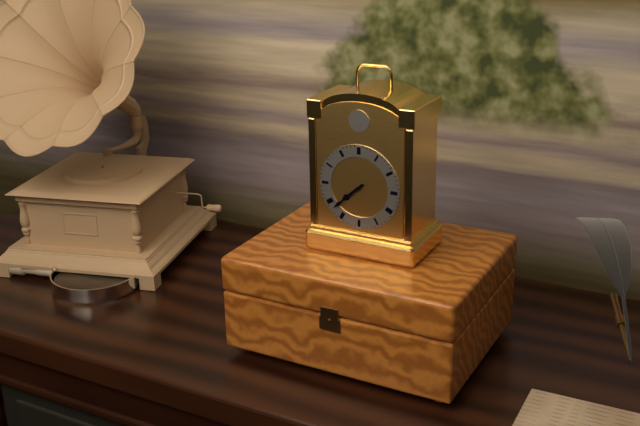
**7:38**
